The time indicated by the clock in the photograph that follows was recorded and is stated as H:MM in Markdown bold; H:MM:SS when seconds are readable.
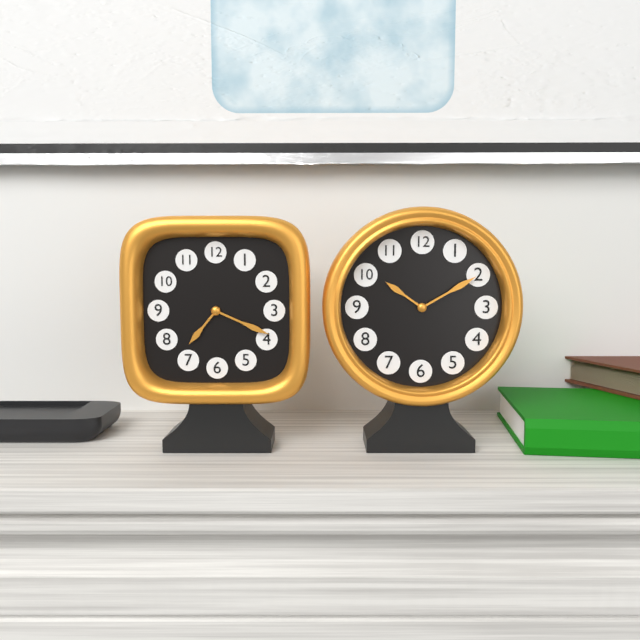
**7:19**
